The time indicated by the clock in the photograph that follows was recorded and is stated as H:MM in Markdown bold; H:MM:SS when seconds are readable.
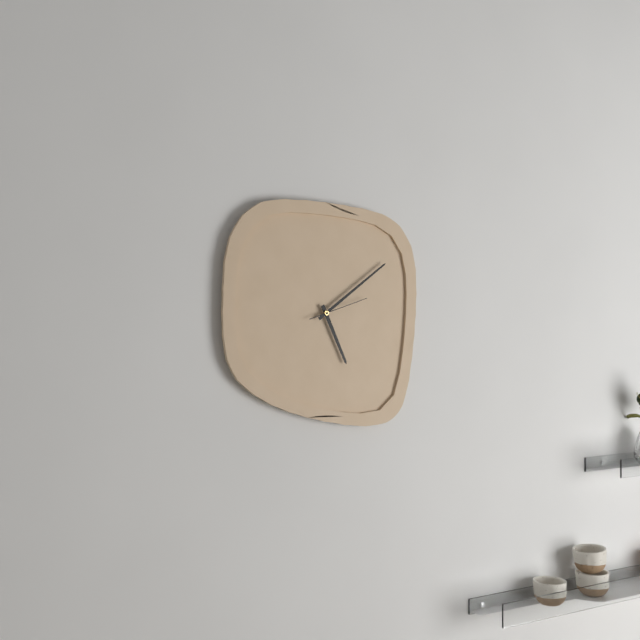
**5:09:12**
